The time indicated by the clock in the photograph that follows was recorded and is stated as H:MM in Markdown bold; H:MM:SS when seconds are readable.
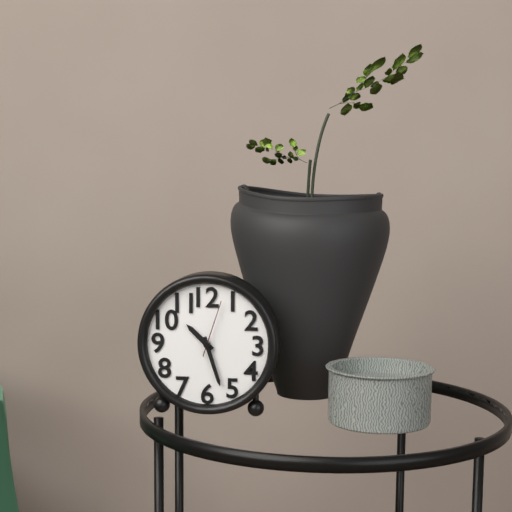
**10:27:03**
